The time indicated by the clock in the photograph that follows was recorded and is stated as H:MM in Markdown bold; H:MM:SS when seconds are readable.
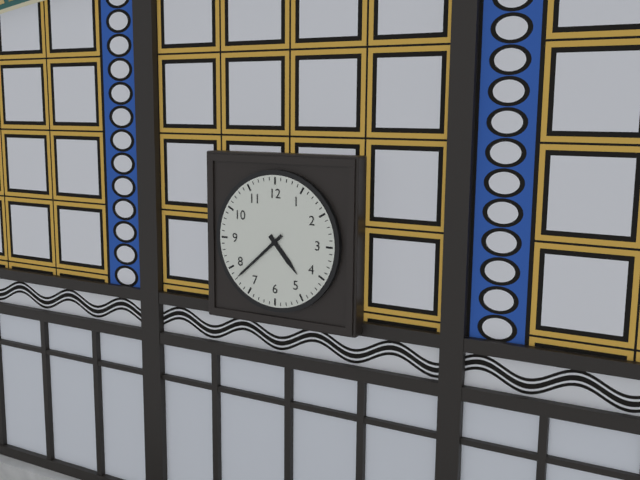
**4:38**
